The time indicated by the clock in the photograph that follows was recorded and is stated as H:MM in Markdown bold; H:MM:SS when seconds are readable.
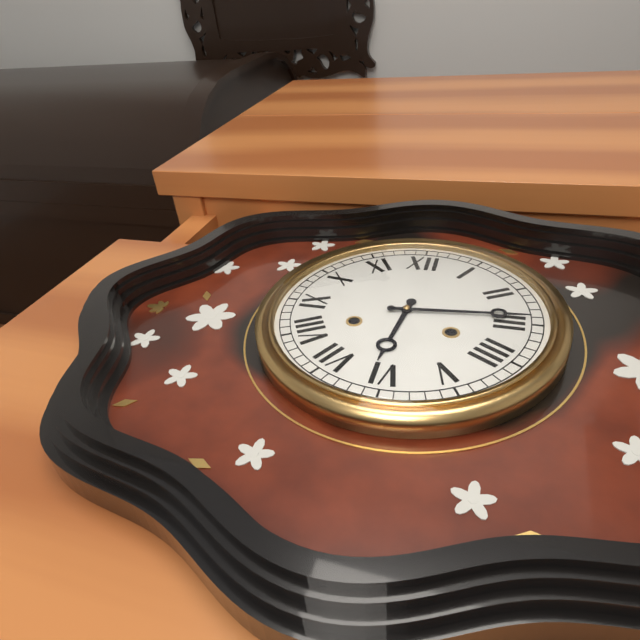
**6:14**
